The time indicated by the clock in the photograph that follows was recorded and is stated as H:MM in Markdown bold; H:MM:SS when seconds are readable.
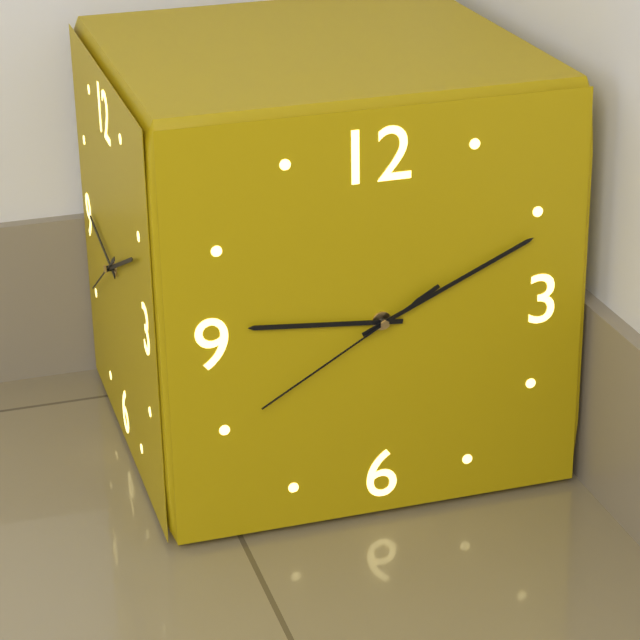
**9:11:40**
